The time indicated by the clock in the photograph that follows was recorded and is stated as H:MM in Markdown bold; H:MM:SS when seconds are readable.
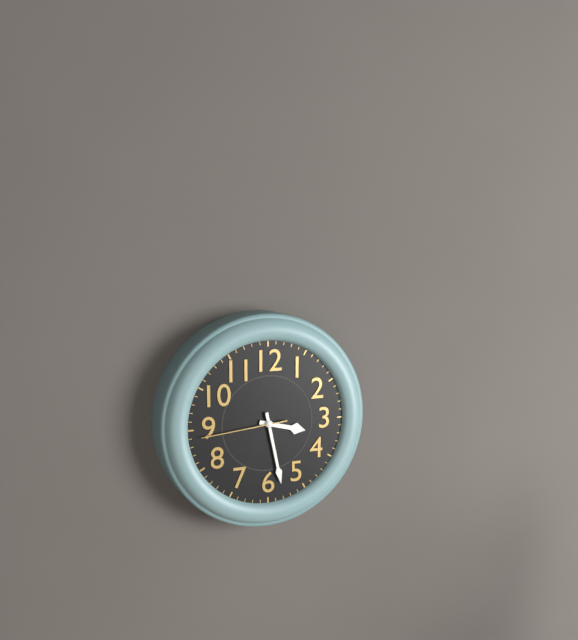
**3:28:44**
